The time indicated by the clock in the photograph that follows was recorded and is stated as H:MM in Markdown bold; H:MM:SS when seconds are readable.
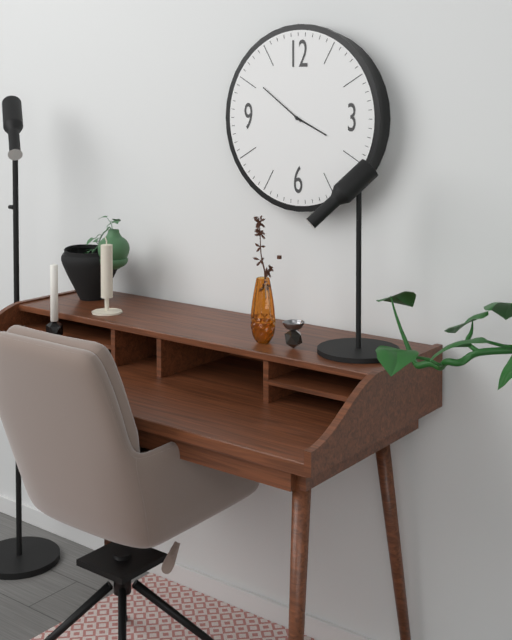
**3:51**
